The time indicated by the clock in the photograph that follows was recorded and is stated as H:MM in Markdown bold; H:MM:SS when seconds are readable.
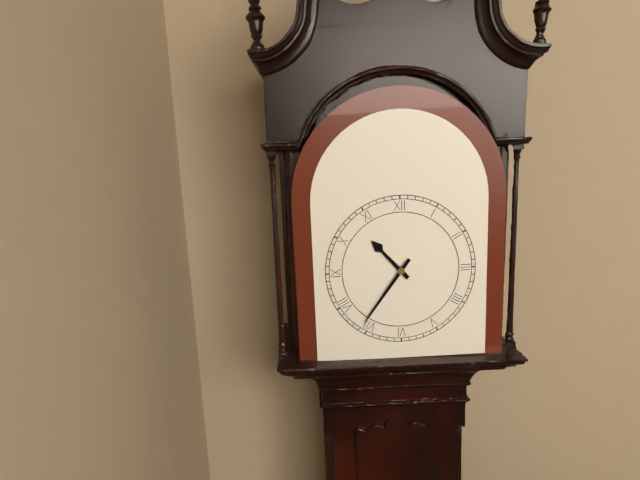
**10:36**
